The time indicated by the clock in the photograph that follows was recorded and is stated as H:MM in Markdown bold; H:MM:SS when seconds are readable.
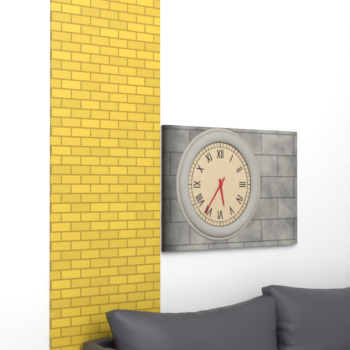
**5:36**
